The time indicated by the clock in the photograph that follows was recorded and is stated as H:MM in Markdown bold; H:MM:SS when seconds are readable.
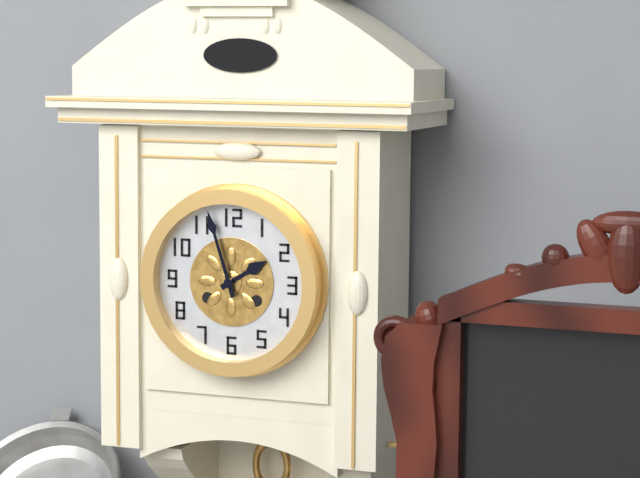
**1:57**
